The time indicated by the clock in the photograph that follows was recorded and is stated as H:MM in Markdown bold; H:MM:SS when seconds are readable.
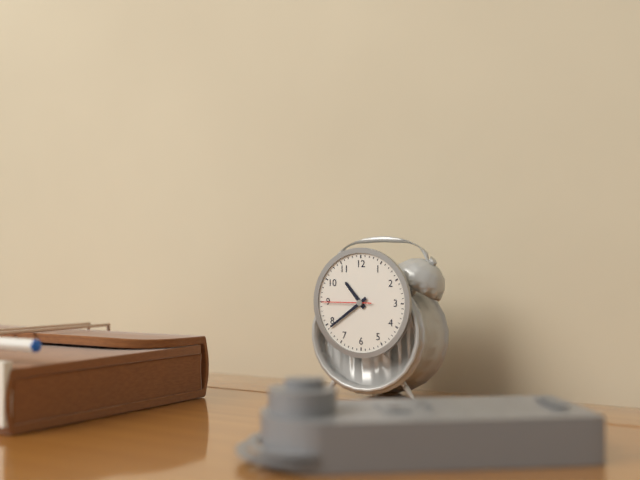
**10:39**
